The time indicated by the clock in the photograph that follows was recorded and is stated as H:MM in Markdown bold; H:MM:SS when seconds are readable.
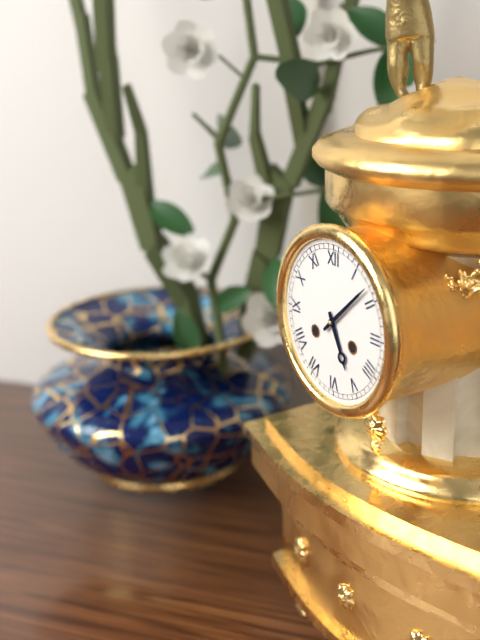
**5:08**
